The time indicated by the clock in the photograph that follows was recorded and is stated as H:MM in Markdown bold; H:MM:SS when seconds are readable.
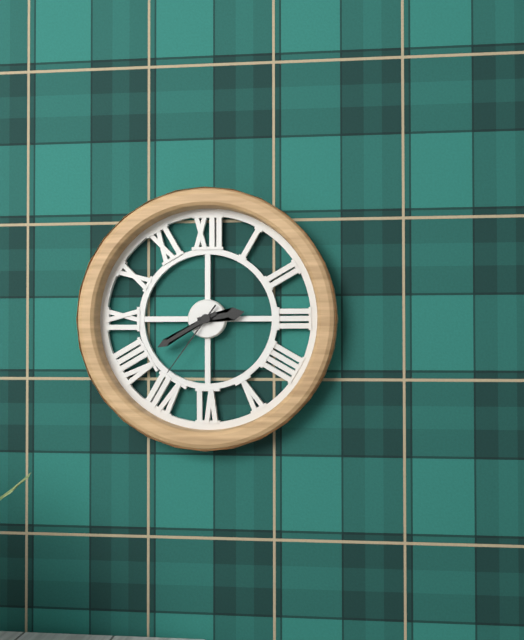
**2:40:36**
